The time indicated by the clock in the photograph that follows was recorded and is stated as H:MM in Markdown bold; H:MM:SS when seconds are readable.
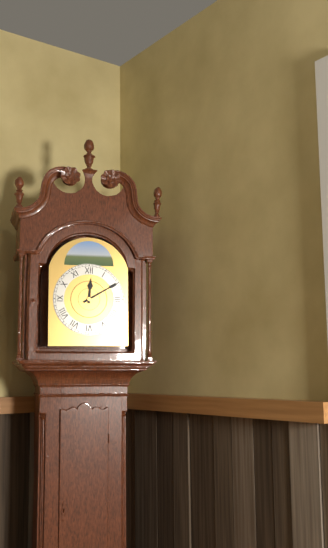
**12:10**
